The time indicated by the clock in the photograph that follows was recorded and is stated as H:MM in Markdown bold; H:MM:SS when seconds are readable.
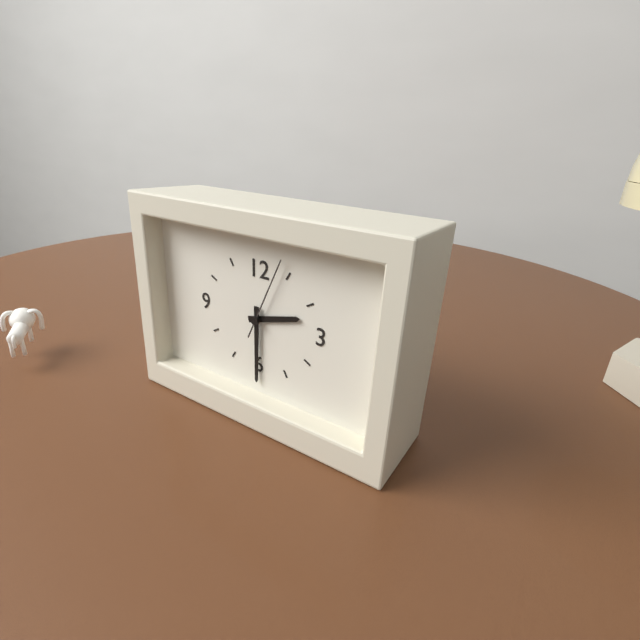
**2:30:04**
